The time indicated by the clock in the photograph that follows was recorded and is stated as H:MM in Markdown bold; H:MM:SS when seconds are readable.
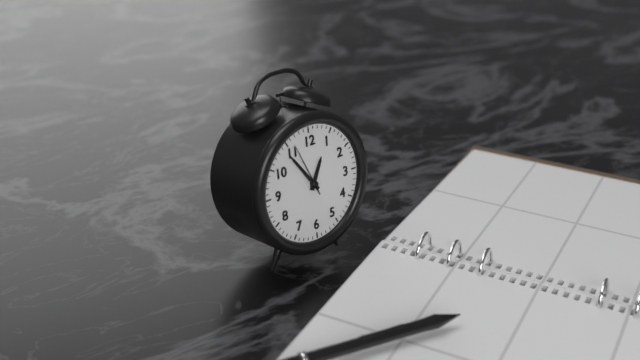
**12:54**
